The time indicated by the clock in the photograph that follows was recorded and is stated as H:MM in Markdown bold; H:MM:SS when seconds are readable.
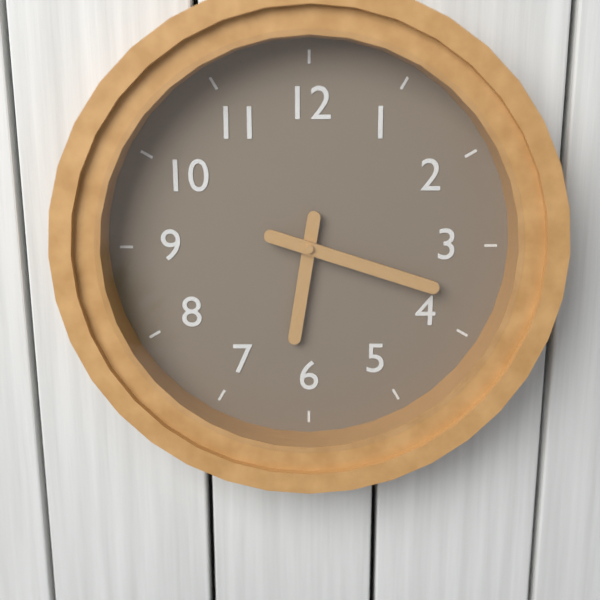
**6:18**
